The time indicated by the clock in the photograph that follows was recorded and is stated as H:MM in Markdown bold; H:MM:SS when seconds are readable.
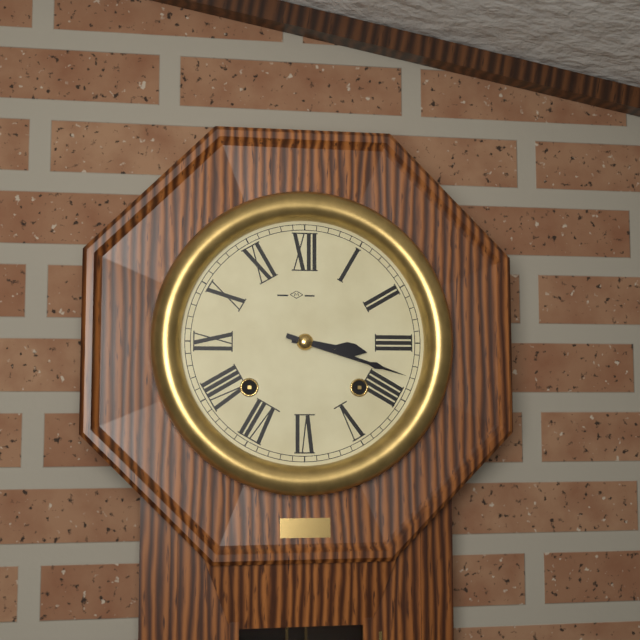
**3:18**
